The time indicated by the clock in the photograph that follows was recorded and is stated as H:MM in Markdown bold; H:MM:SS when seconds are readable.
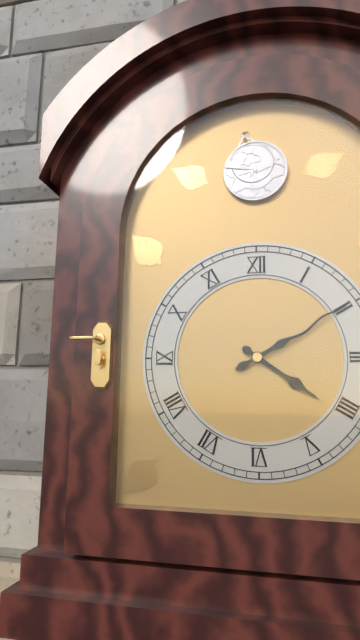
**4:10**
